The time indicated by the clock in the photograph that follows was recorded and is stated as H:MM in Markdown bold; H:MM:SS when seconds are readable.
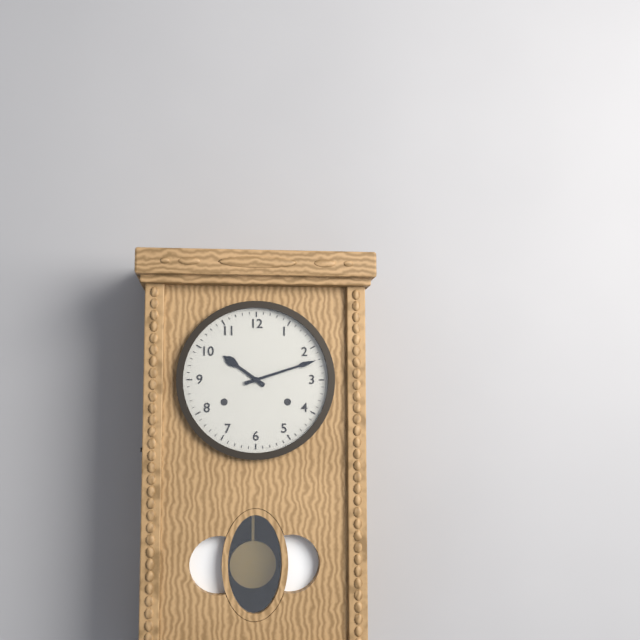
**10:12**
